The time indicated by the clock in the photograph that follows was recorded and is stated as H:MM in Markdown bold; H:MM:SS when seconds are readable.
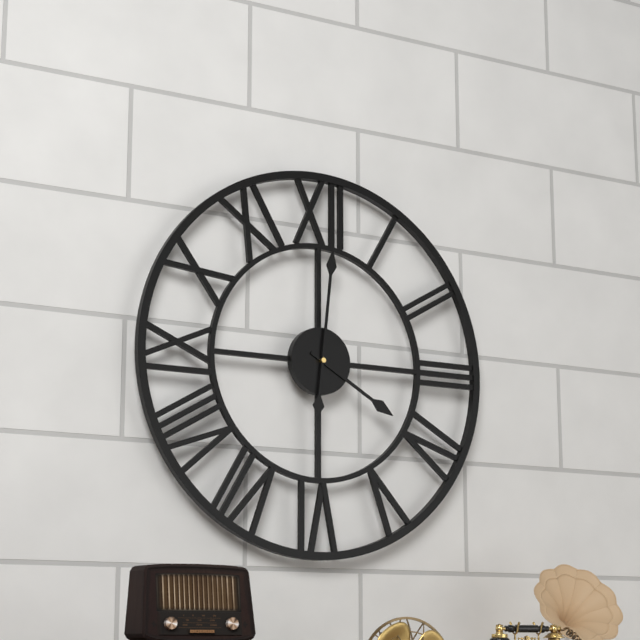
**4:01**
